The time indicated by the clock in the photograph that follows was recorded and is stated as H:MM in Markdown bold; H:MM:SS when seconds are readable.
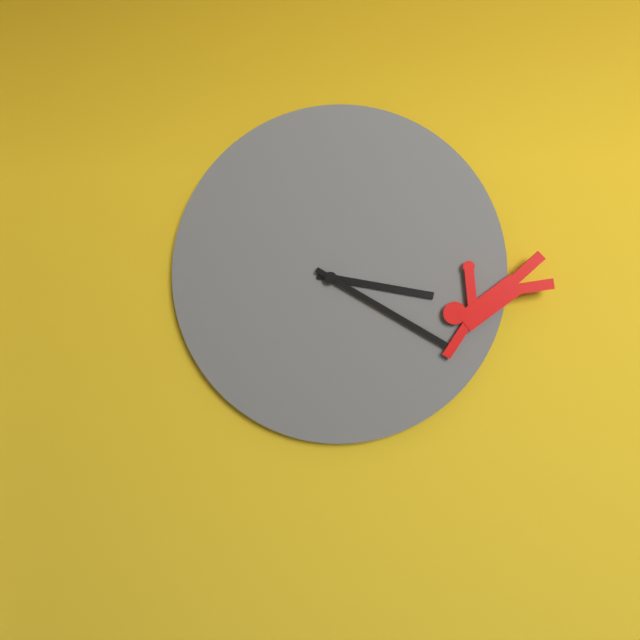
**3:20**
